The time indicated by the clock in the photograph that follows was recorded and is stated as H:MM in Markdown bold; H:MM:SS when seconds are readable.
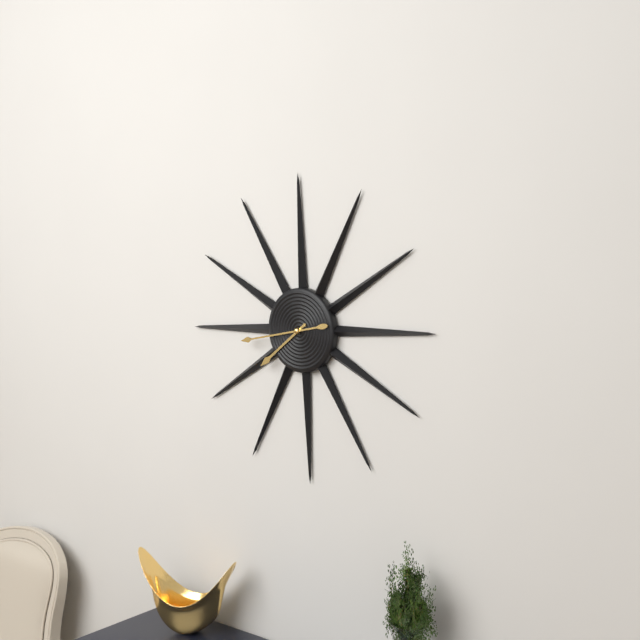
**7:43**
